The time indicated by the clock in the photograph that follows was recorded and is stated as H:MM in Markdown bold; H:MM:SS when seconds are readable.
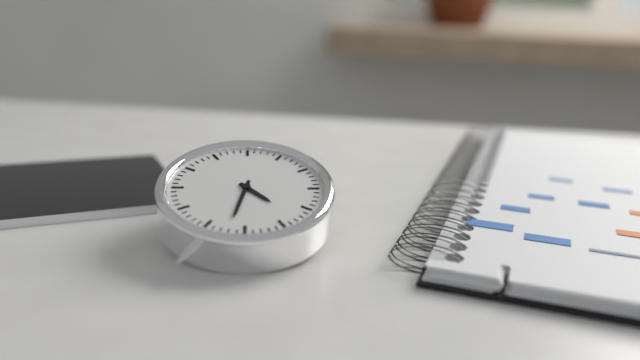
**4:32**
